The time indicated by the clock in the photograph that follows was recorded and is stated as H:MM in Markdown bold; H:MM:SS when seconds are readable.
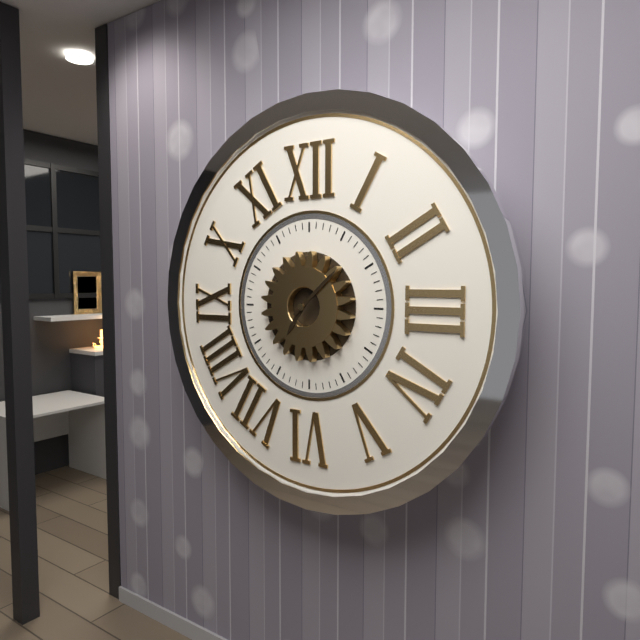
**7:08**
